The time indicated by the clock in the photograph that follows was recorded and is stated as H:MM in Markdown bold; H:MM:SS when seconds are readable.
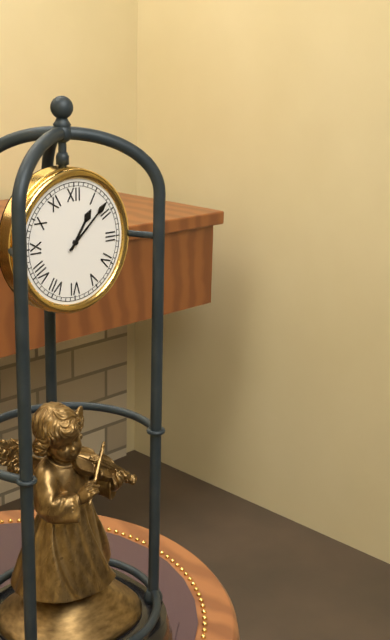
**1:08**
